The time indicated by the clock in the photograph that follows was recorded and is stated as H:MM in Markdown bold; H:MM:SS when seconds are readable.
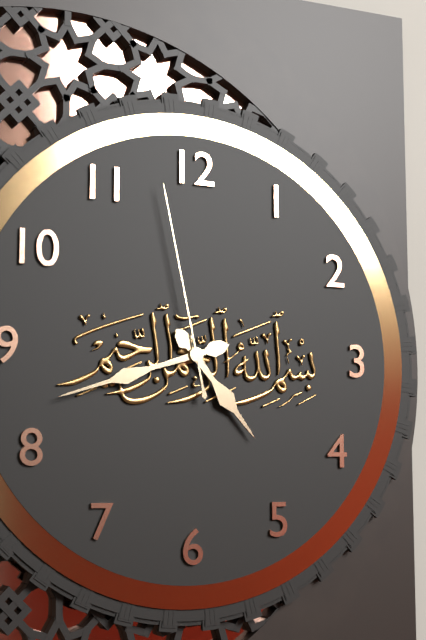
**4:42:58**
